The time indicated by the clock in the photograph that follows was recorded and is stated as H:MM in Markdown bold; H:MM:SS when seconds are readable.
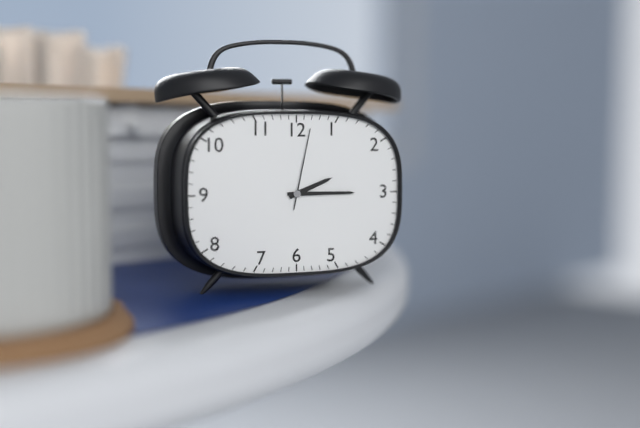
**2:15:02**
